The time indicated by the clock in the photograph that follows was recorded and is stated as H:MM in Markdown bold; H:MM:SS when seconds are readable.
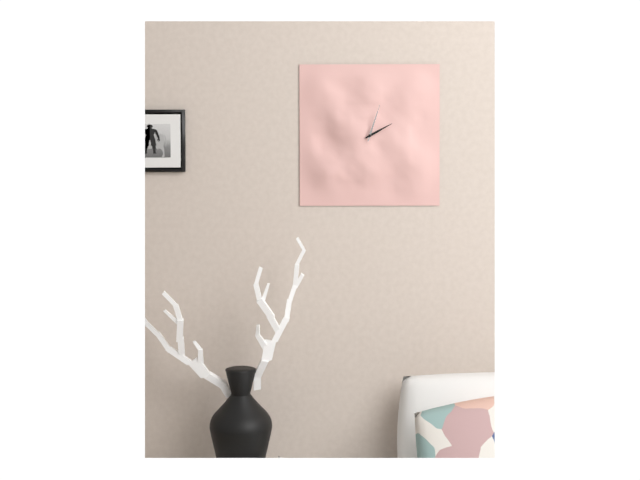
**2:03**
